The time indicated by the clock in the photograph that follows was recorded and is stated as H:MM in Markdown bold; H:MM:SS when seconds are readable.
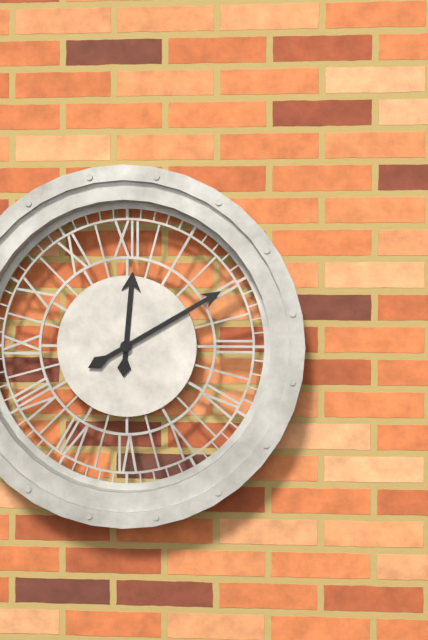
**12:10**
